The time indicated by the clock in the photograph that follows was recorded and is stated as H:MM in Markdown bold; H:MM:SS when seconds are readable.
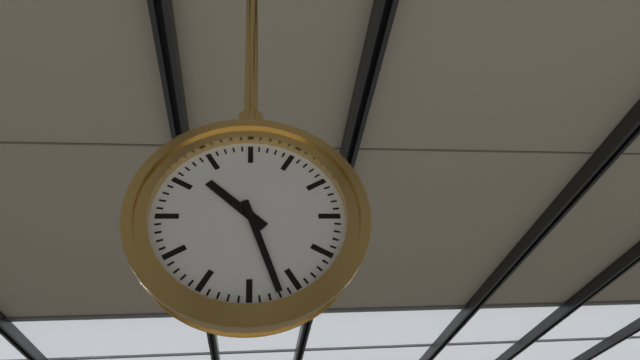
**10:27**
